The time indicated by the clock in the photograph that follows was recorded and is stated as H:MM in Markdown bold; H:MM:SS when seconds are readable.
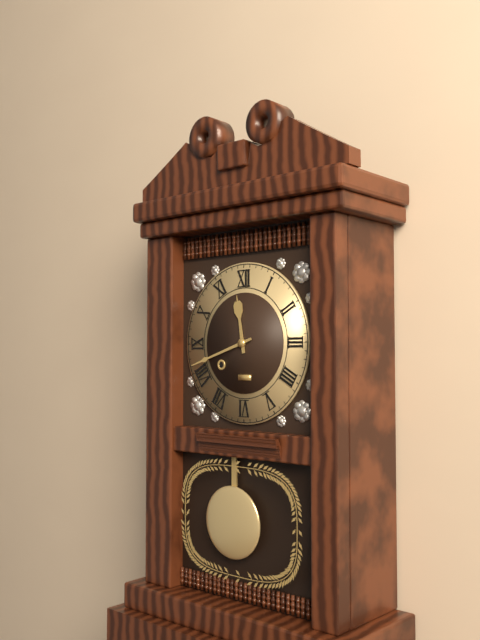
**11:42**
